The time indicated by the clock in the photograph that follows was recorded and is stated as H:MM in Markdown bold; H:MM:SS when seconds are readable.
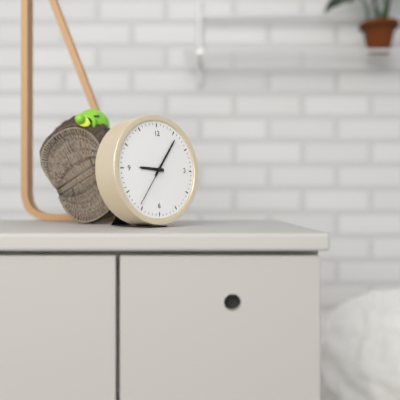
**9:06**
